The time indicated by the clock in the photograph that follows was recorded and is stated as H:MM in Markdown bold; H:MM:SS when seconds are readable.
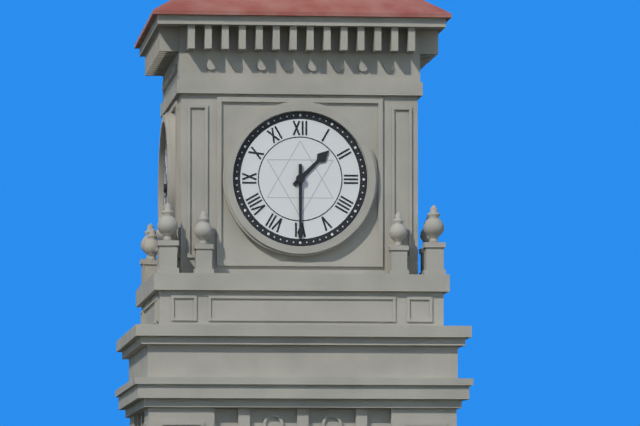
**1:30**
